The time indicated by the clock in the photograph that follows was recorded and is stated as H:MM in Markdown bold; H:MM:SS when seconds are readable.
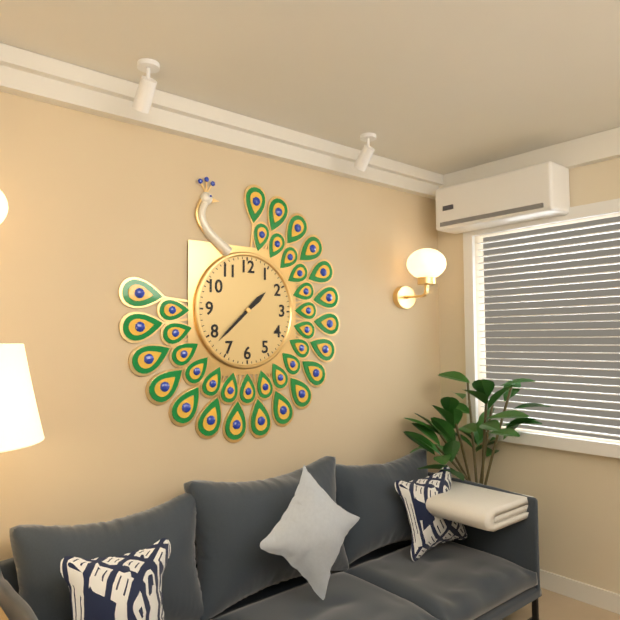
**1:38**
